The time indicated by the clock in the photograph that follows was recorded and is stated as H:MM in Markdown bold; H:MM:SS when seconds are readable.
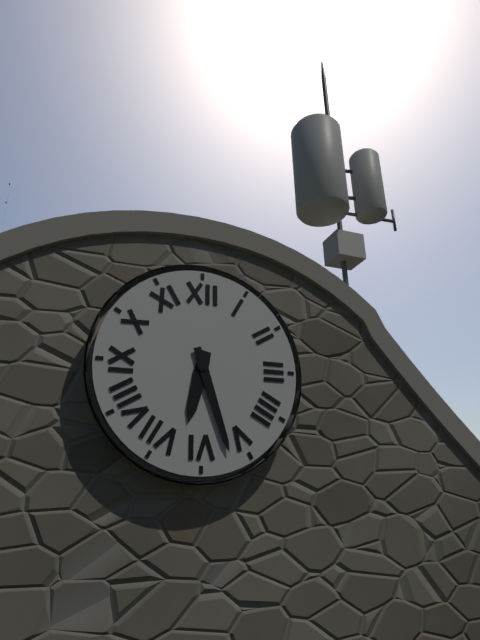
**6:27**
